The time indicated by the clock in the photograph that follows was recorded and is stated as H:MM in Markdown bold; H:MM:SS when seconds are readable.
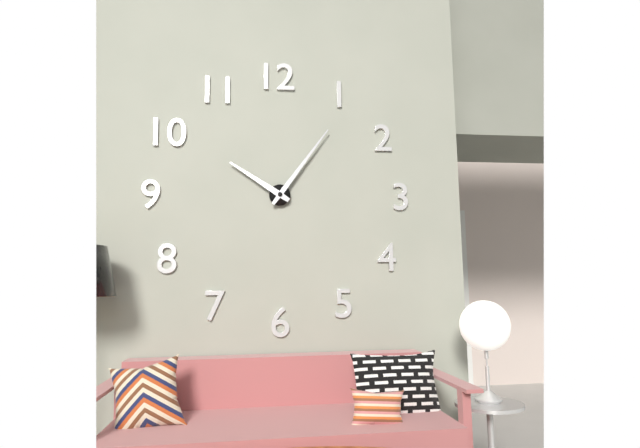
**10:06**
